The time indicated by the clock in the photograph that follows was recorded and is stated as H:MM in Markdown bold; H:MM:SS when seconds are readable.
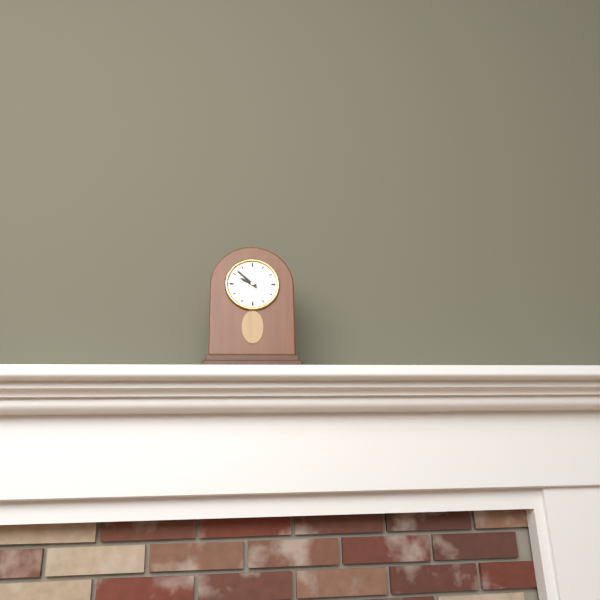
**9:52**
